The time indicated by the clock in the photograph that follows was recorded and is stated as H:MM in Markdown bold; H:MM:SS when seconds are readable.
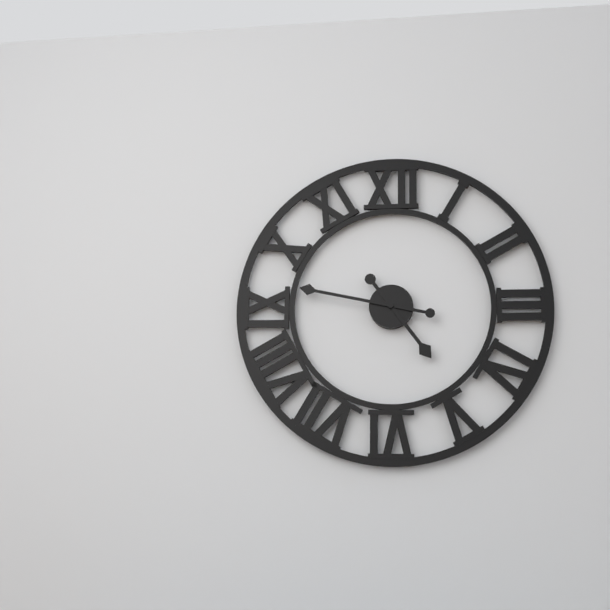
**4:47**
